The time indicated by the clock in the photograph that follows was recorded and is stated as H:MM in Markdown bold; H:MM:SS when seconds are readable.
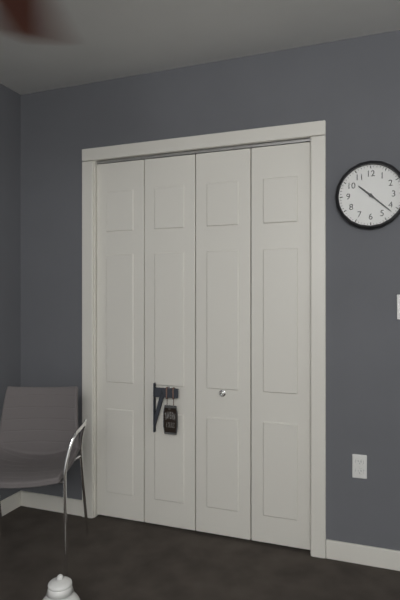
**10:22**
